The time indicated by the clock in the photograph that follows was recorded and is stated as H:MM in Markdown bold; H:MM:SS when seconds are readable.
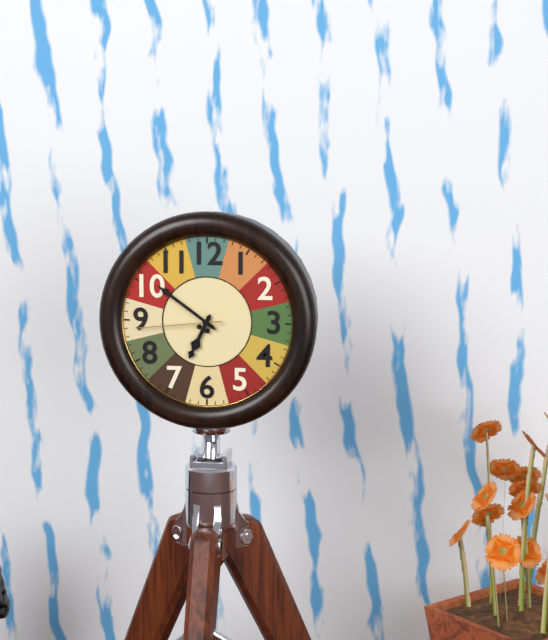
**6:51:44**
